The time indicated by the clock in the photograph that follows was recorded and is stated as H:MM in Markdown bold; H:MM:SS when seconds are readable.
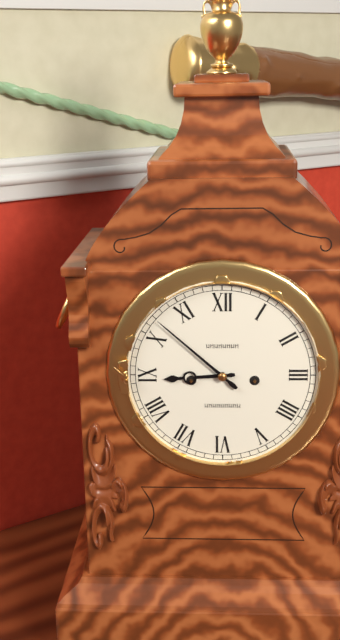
**8:52**
